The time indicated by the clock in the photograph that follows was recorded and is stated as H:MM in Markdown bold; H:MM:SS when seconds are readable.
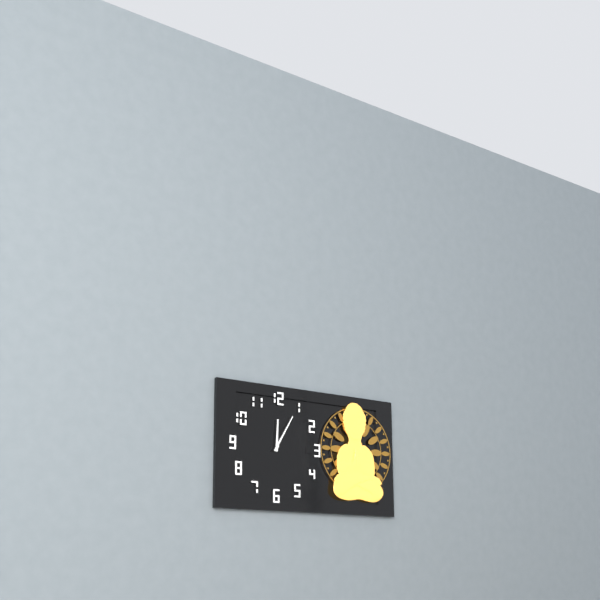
**12:05**
